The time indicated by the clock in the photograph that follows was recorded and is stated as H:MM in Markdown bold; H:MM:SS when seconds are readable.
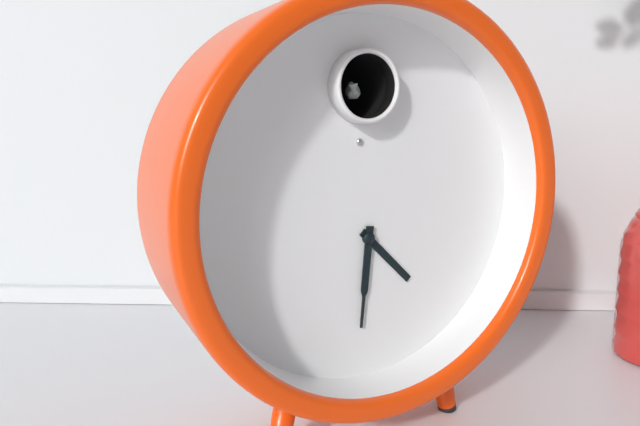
**4:31**
